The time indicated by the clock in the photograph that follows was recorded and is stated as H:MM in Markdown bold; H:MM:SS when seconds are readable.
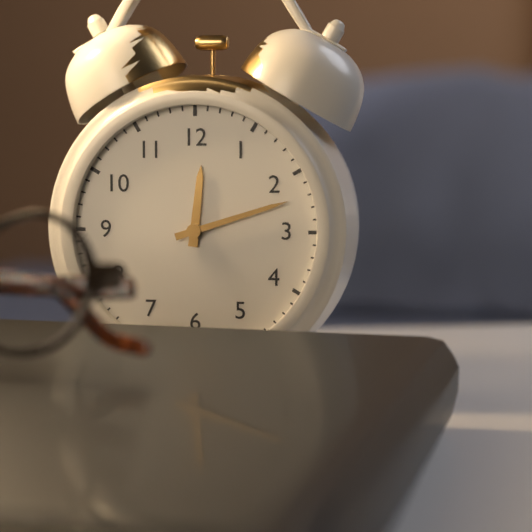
**12:12**
